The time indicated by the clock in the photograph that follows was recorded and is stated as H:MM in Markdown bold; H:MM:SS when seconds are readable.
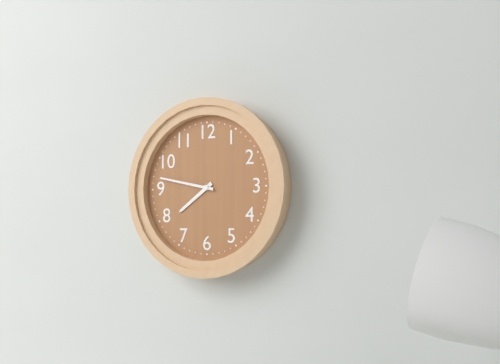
**7:47**
